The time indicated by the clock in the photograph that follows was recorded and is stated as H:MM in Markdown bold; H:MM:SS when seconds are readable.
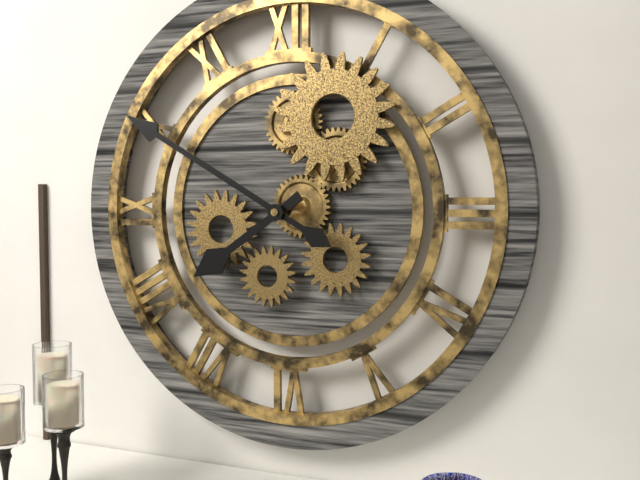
**7:50**
